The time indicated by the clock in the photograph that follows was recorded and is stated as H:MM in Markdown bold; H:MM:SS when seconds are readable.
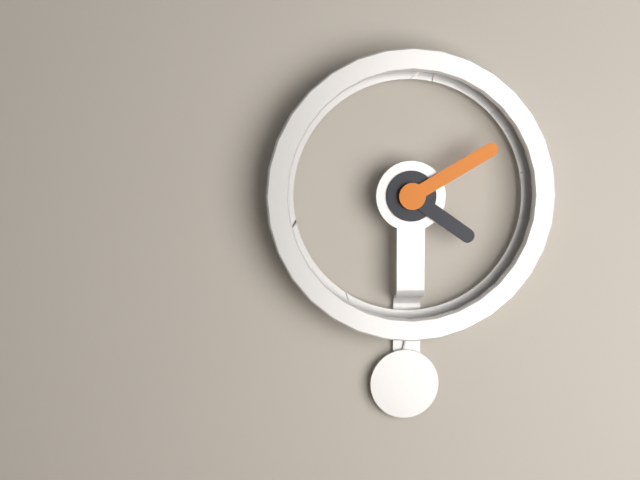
**4:10**
